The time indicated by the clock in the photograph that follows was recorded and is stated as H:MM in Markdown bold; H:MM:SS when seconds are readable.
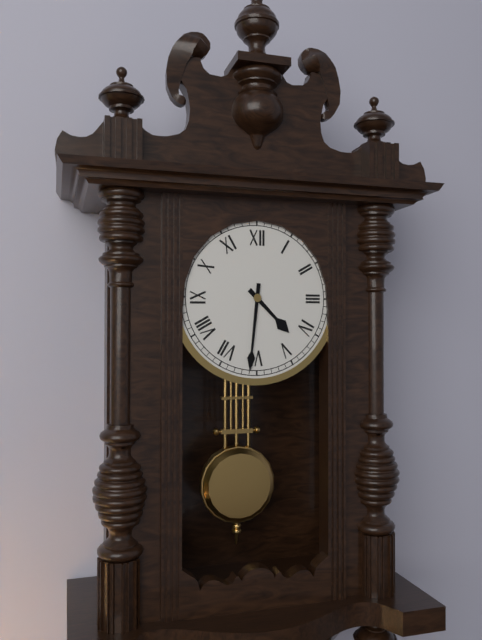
**4:31**
